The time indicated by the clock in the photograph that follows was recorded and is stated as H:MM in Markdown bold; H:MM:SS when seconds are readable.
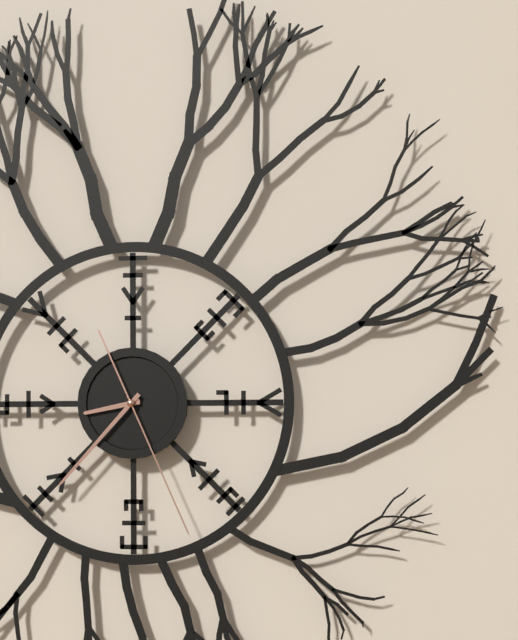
**8:37:26**
